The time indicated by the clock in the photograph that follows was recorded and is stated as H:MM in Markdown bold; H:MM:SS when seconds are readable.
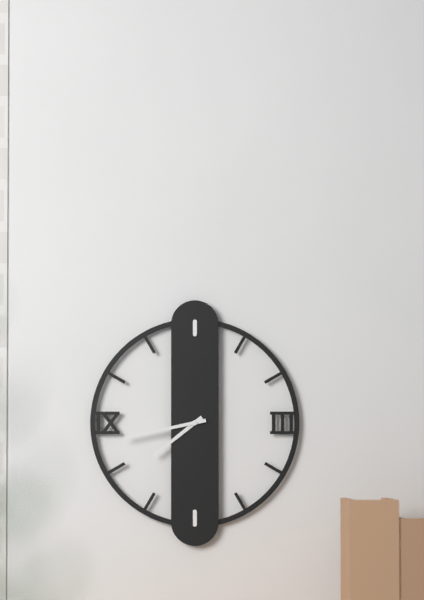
**7:43**
